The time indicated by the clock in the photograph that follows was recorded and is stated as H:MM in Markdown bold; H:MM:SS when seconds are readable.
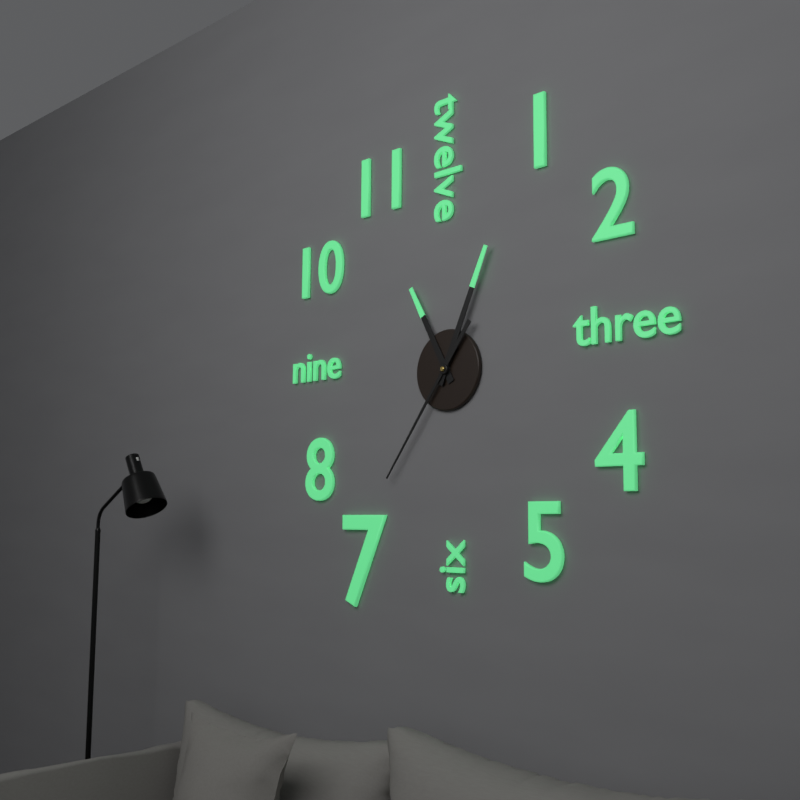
**11:04:36**
